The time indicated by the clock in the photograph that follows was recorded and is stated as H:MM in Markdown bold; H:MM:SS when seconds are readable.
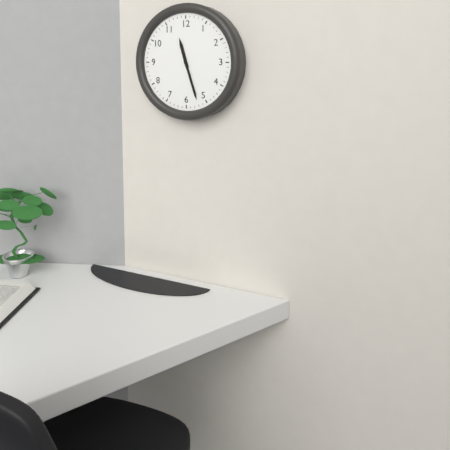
**11:27**
